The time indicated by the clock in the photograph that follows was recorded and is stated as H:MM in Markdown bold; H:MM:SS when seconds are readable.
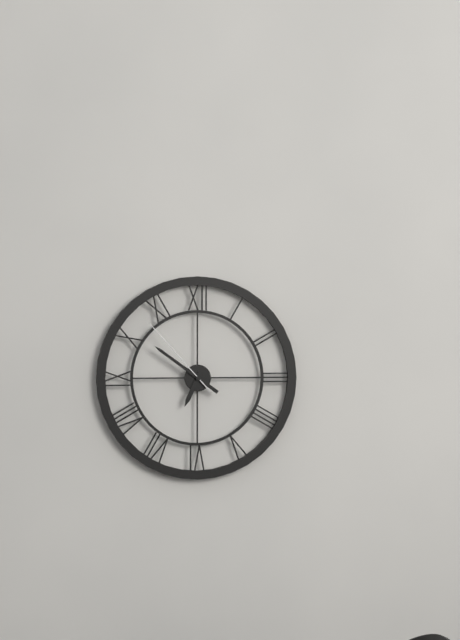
**6:51:53**
